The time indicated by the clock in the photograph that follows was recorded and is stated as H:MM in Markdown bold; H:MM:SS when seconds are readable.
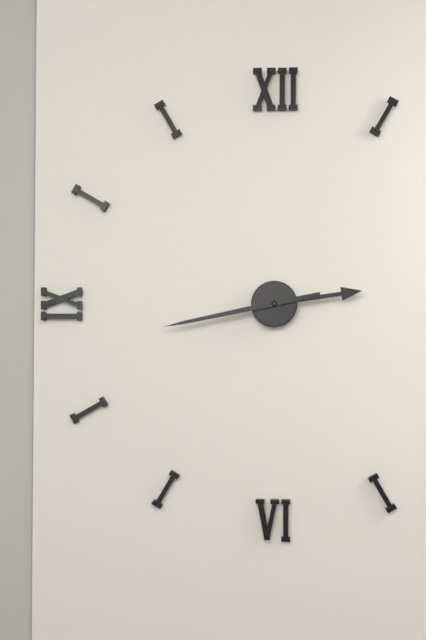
**2:43**
